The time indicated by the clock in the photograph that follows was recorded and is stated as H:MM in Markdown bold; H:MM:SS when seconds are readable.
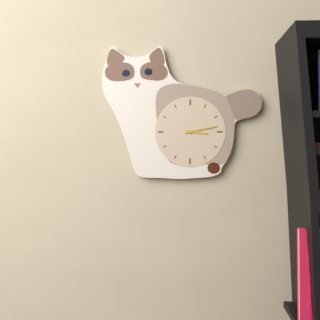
**3:13**
